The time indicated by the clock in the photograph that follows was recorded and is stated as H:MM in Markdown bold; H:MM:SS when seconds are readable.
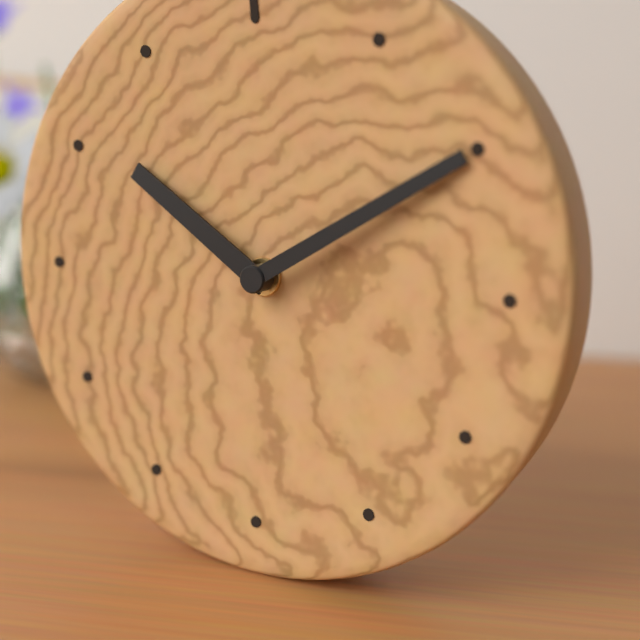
**10:10**
